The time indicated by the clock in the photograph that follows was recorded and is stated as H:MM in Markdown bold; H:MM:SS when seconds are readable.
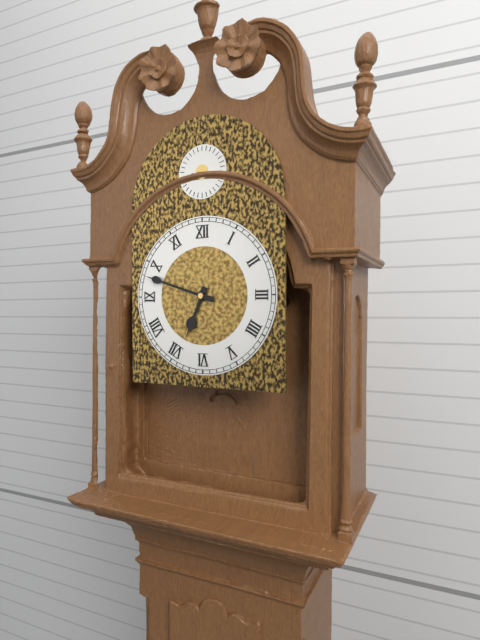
**6:48**
